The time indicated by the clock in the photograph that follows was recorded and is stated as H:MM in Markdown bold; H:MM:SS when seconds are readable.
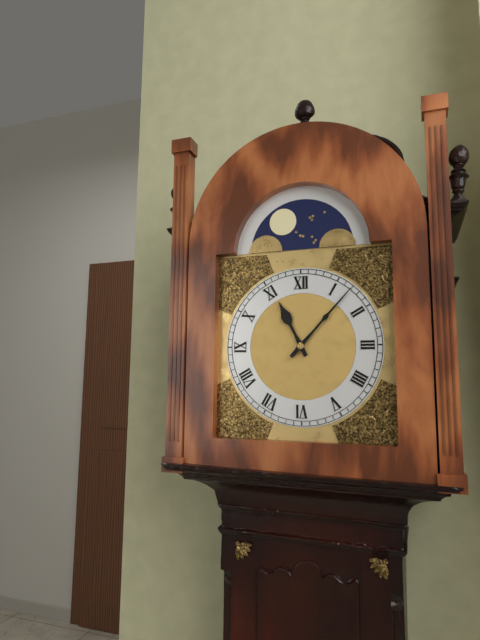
**11:07**
